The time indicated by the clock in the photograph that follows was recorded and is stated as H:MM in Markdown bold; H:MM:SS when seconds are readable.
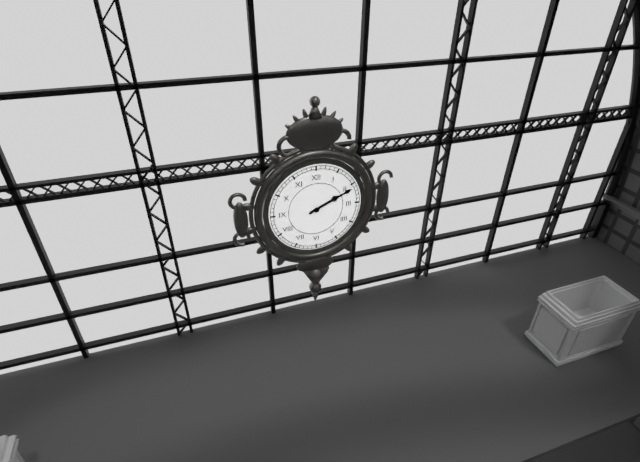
**2:11**
